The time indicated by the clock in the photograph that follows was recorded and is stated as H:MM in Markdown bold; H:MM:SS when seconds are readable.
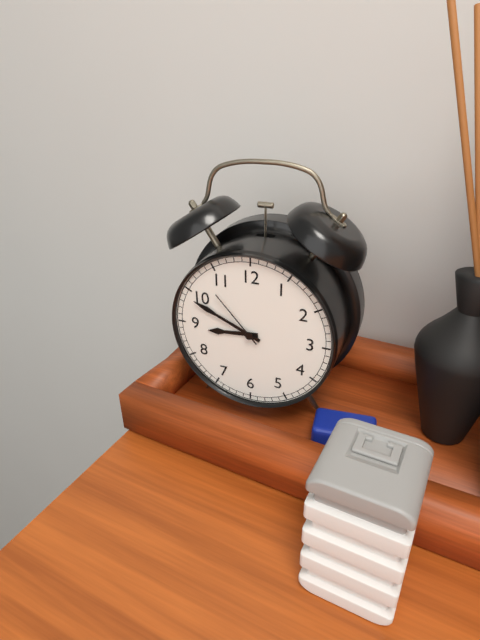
**8:49:53**
